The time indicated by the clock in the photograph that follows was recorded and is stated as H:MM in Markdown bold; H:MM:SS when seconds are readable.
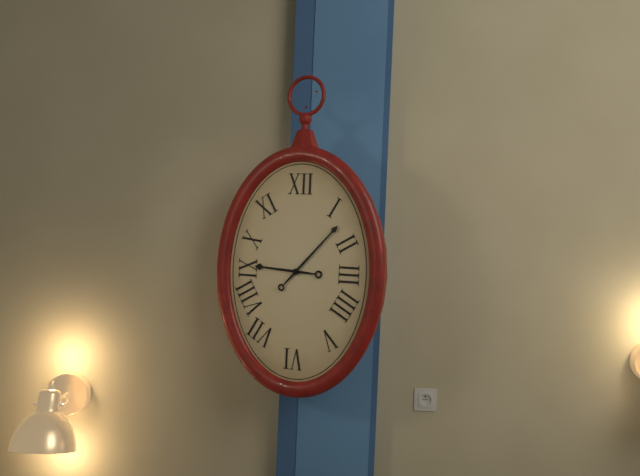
**9:07**
